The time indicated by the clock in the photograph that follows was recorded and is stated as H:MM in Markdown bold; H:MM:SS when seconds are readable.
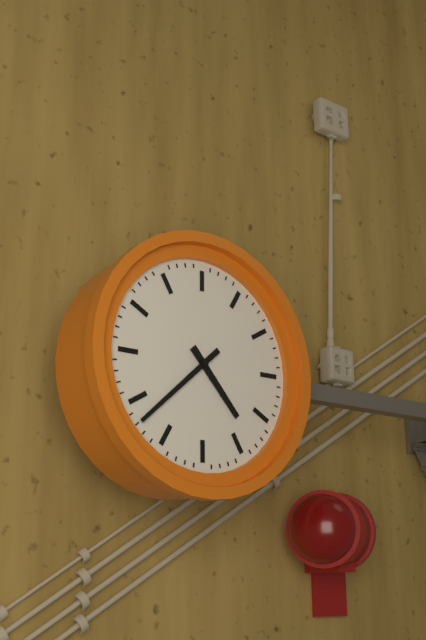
**4:38**
